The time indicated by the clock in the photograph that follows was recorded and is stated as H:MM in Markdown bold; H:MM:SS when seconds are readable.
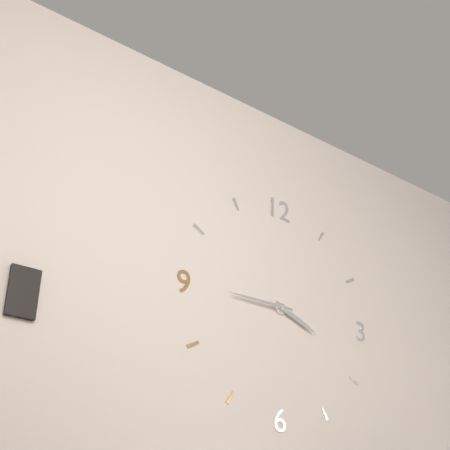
**3:45**
